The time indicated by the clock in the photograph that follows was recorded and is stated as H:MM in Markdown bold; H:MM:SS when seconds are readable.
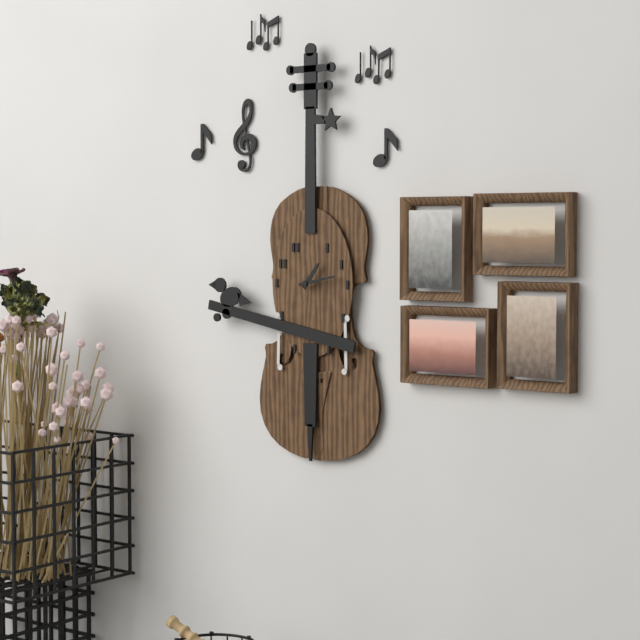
**1:13**
